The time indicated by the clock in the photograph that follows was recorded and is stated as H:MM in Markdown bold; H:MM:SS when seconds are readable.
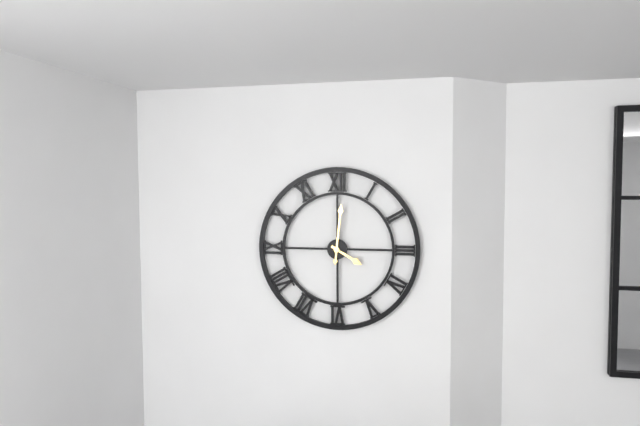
**4:01**
